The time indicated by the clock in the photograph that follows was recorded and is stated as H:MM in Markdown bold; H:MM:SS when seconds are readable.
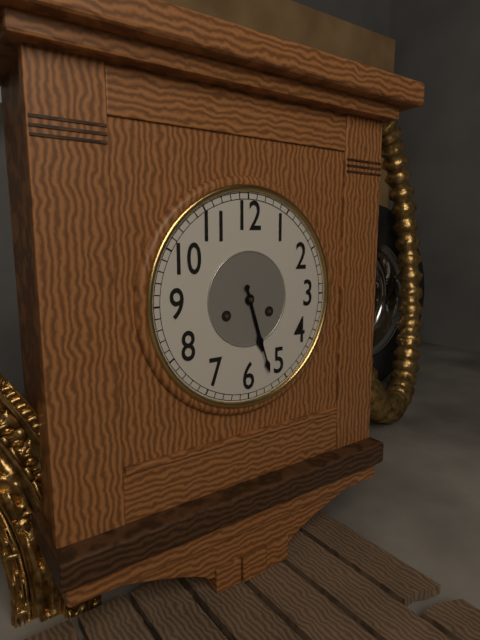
**5:27**
